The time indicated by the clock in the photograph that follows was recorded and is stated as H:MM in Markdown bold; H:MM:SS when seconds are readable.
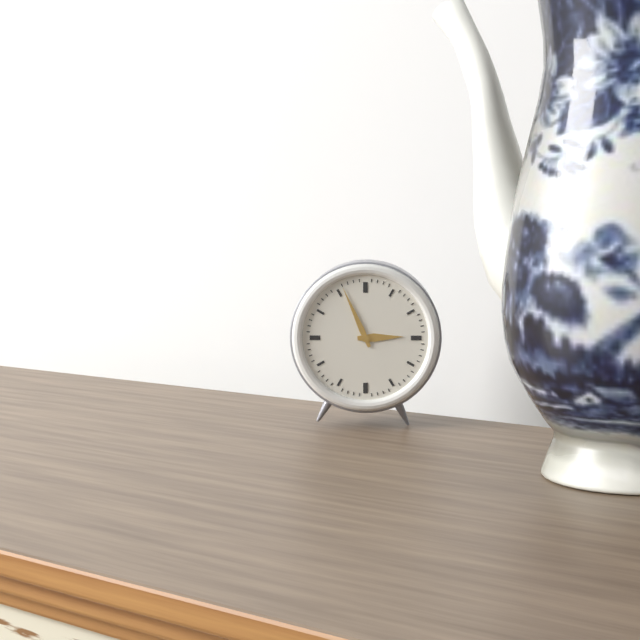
**2:56**
